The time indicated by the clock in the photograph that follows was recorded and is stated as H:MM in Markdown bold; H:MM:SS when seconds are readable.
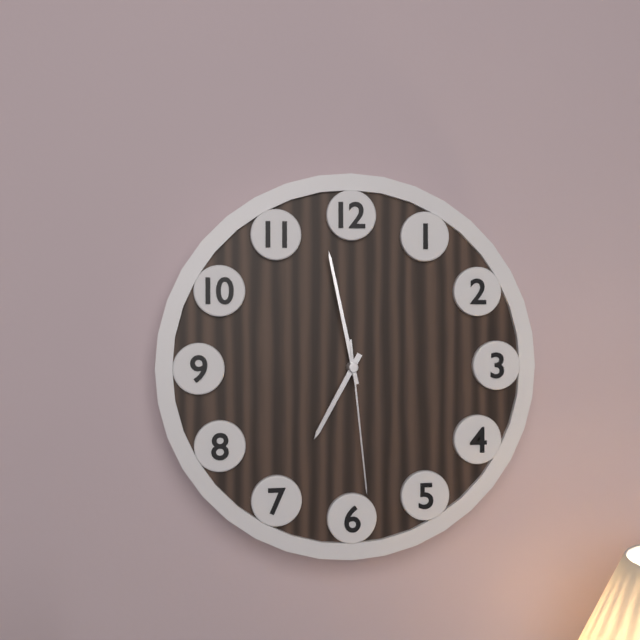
**6:58:29**
